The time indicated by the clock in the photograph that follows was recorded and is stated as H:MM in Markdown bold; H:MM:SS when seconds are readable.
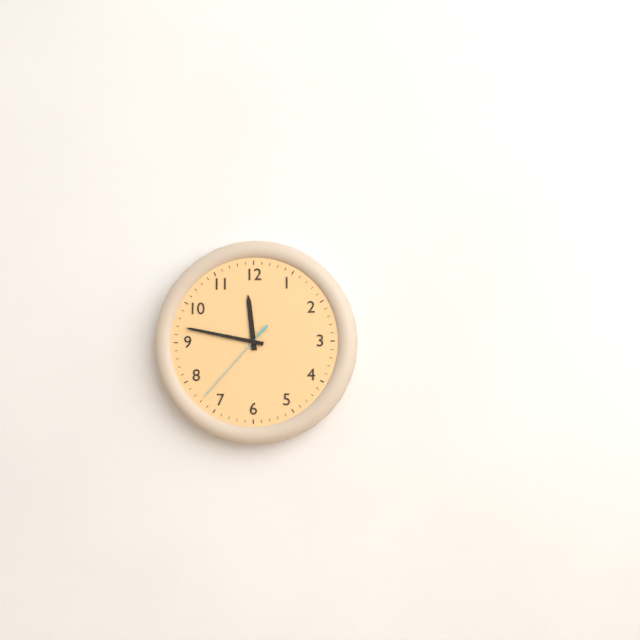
**11:47:37**
